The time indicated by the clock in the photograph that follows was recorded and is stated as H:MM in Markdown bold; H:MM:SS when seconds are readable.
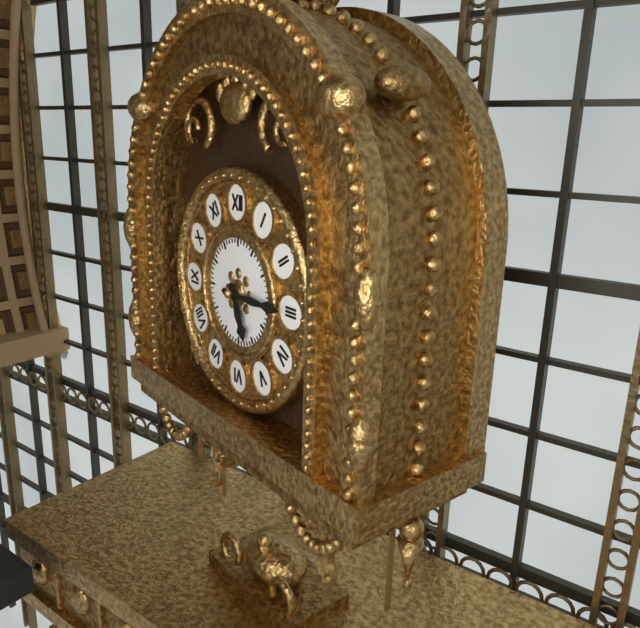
**5:15**
